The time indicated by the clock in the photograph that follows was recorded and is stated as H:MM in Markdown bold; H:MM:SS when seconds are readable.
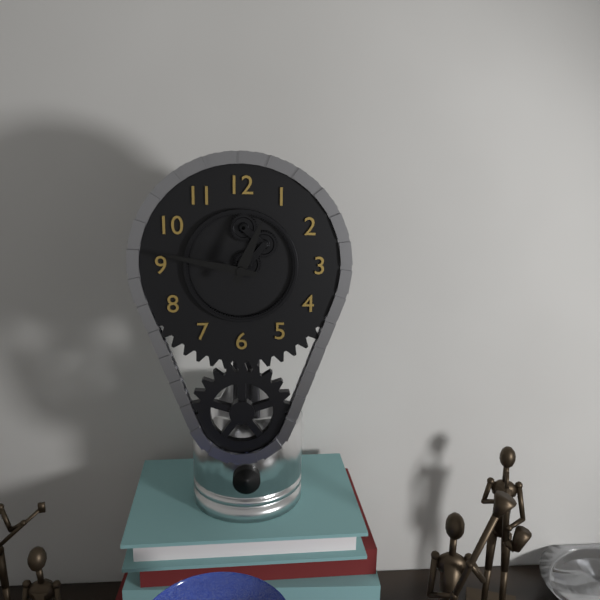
**12:47**
